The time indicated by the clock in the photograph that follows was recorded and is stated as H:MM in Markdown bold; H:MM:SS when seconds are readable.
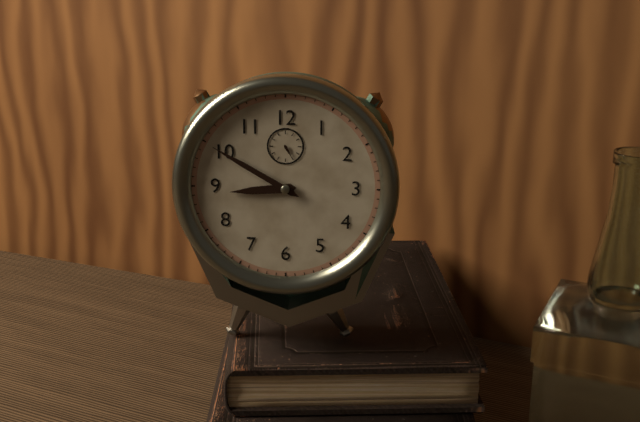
**8:50**
